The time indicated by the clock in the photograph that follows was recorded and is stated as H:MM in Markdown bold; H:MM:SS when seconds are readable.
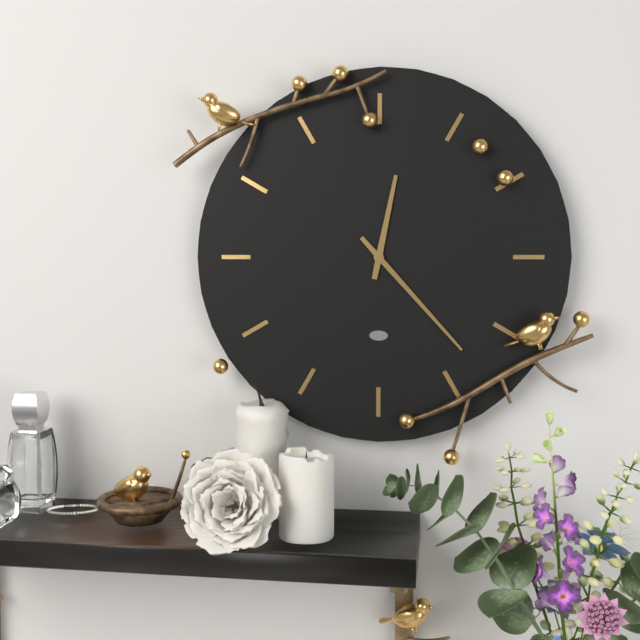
**12:23**
